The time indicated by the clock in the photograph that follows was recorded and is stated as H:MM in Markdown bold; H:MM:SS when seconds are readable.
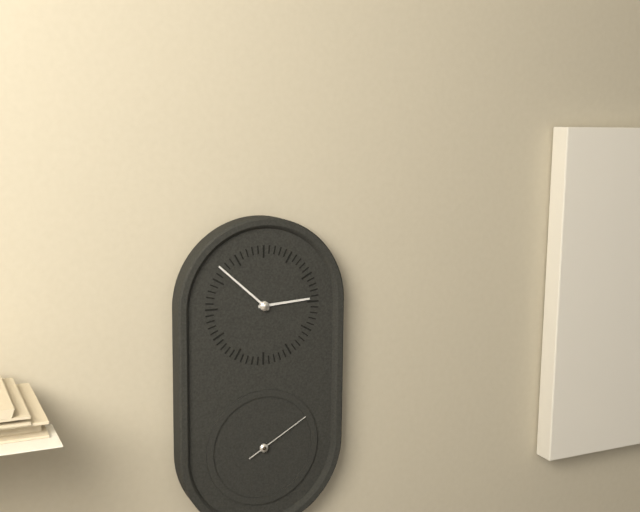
**2:52:10**
